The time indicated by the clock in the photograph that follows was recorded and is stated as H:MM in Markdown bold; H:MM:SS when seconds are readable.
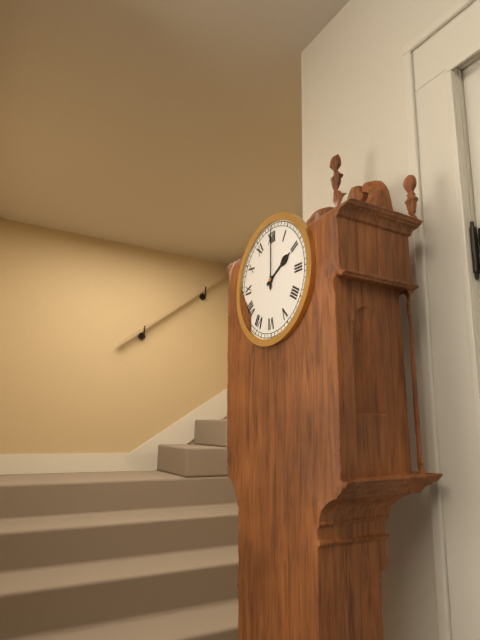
**2:00**
